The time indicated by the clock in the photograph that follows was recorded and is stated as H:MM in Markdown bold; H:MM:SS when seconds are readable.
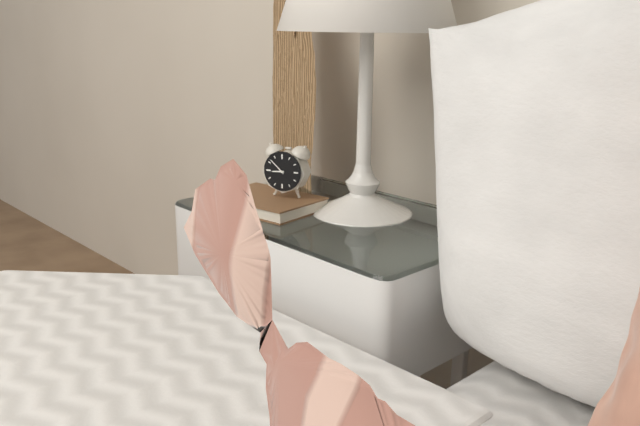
**8:52**
